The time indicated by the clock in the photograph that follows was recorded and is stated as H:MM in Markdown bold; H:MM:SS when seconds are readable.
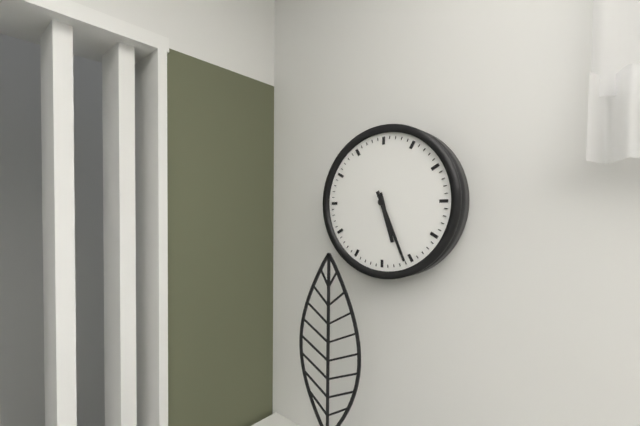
**5:26**
